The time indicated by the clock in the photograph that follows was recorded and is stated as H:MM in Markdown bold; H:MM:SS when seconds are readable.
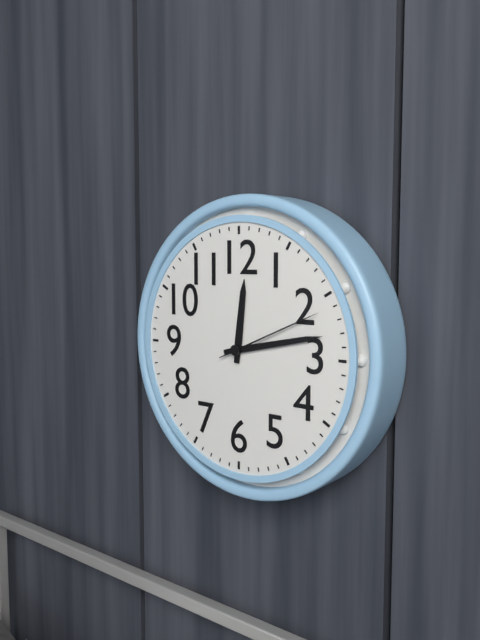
**12:13:11**
